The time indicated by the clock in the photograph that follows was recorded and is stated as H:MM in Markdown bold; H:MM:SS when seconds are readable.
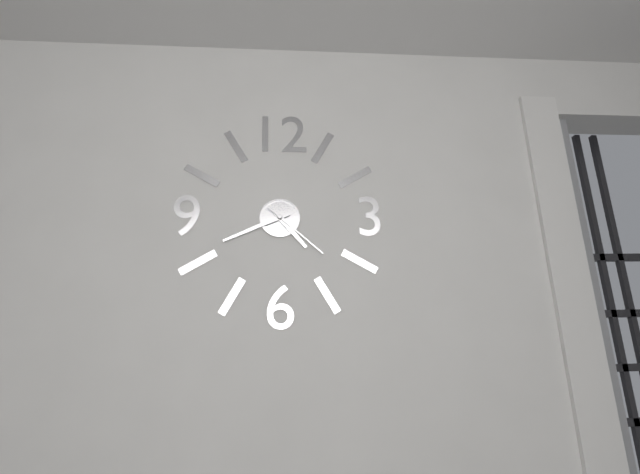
**4:41:22**
